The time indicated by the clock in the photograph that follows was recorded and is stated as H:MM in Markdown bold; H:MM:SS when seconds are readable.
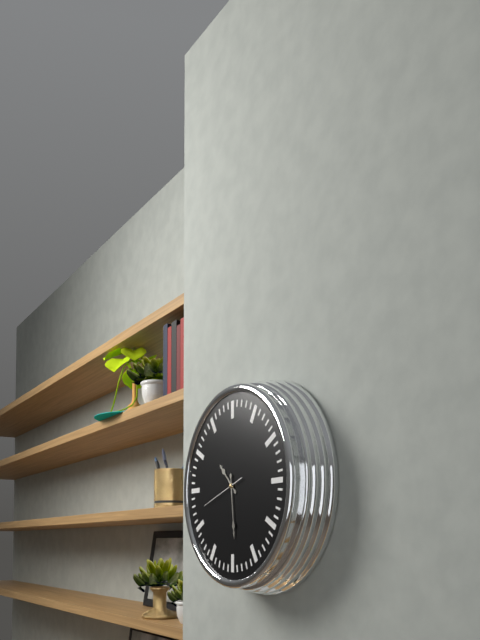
**10:29**
